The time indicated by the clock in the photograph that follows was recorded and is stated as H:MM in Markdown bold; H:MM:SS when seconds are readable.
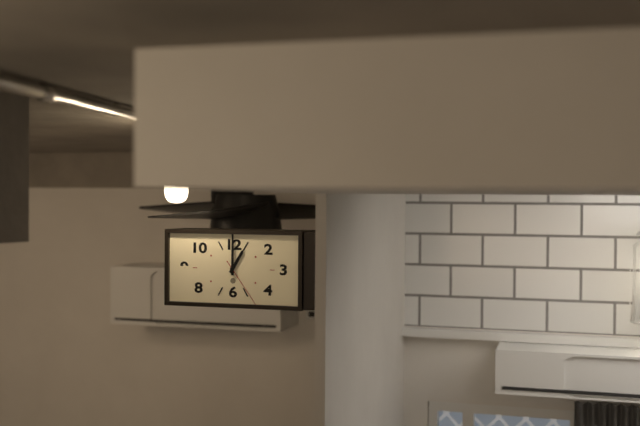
**1:00:24**
